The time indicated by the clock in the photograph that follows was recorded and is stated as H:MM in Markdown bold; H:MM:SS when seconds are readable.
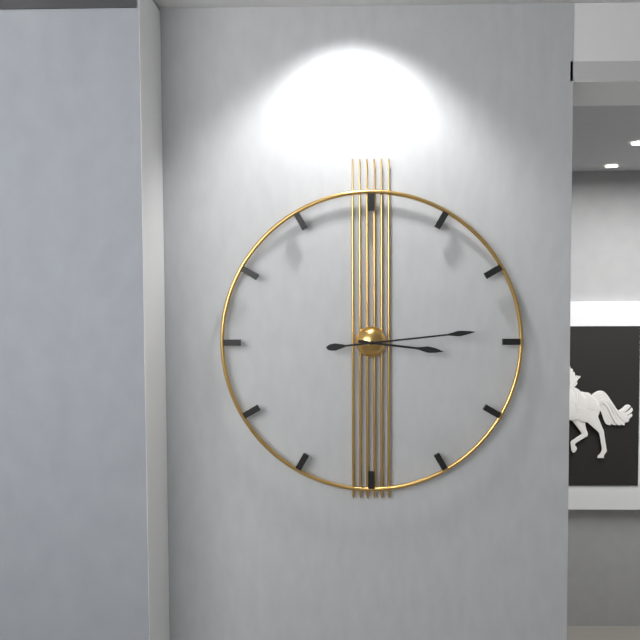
**3:14**
